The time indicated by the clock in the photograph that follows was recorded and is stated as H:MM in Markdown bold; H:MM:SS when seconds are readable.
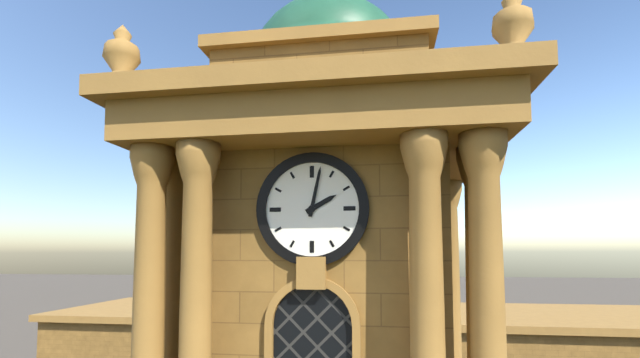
**2:02**
